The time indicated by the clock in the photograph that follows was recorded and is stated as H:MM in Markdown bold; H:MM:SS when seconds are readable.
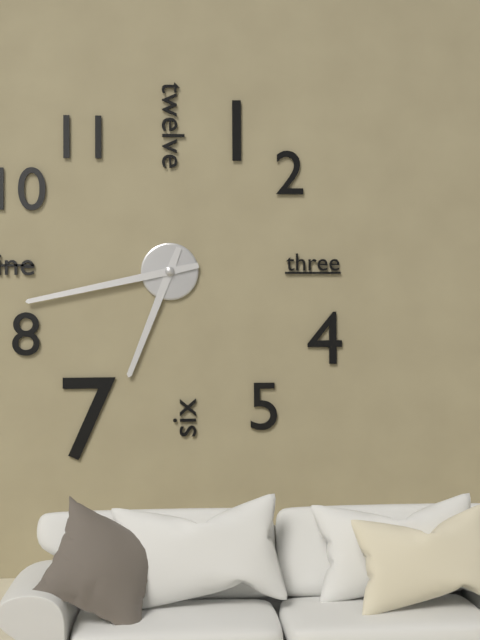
**6:43**
